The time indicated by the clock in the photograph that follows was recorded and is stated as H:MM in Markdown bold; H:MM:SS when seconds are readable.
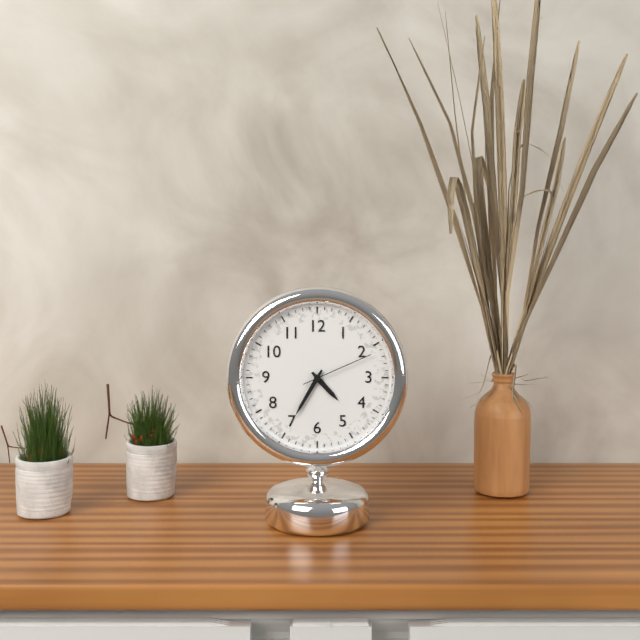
**4:35:11**
